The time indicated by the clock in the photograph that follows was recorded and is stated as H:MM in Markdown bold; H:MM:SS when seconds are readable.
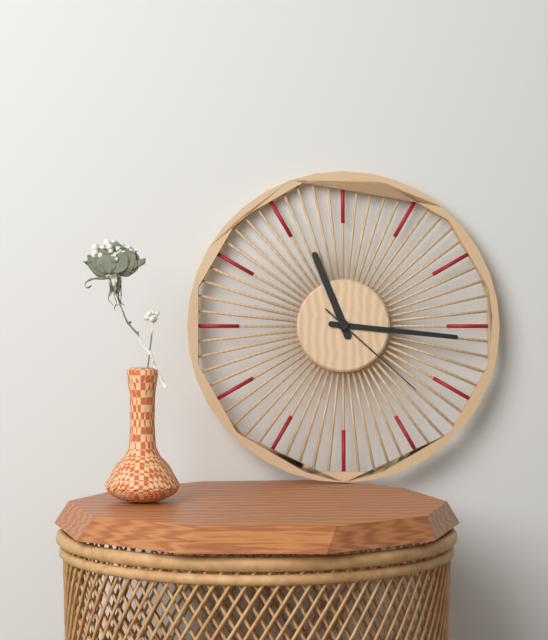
**11:16:22**
